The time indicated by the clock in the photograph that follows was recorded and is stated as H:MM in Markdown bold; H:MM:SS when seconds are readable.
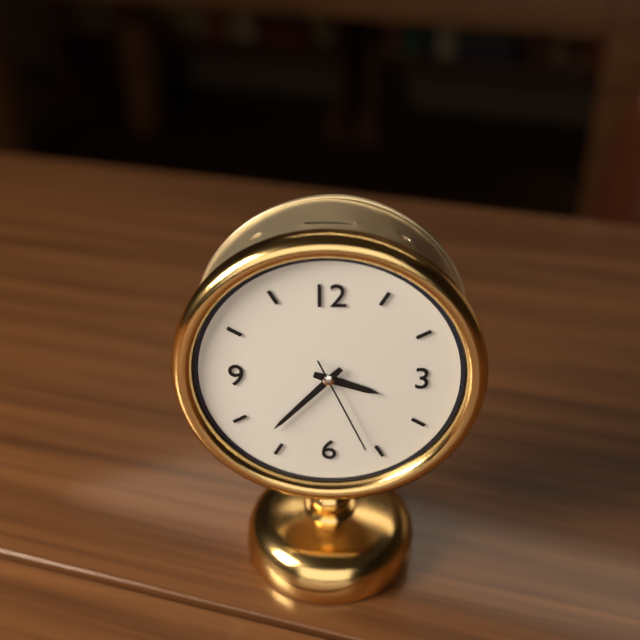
**3:37:26**
